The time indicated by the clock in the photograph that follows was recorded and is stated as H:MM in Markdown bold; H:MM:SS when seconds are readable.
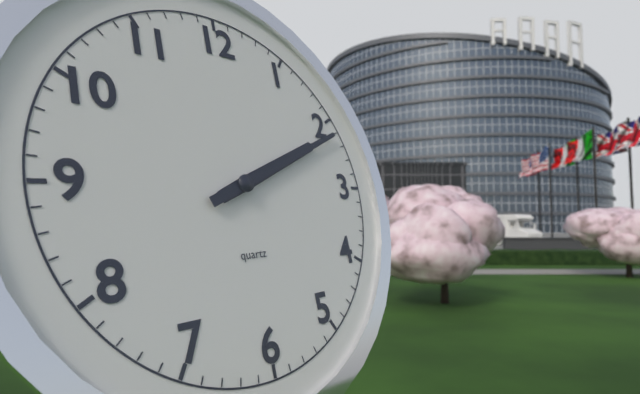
**2:11**
